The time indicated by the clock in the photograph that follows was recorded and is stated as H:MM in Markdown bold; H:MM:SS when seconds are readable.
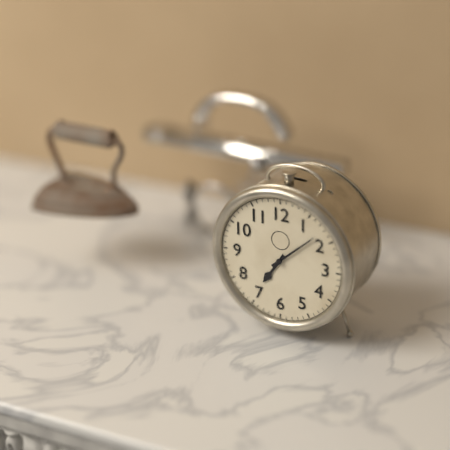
**7:08**
